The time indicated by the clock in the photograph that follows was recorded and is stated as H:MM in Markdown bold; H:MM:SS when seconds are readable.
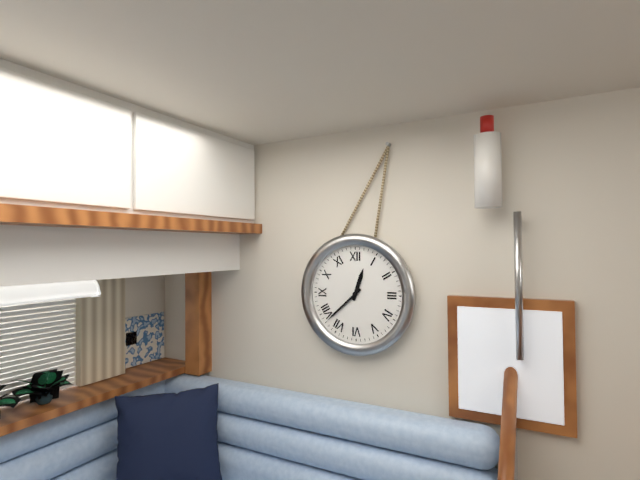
**12:38**
